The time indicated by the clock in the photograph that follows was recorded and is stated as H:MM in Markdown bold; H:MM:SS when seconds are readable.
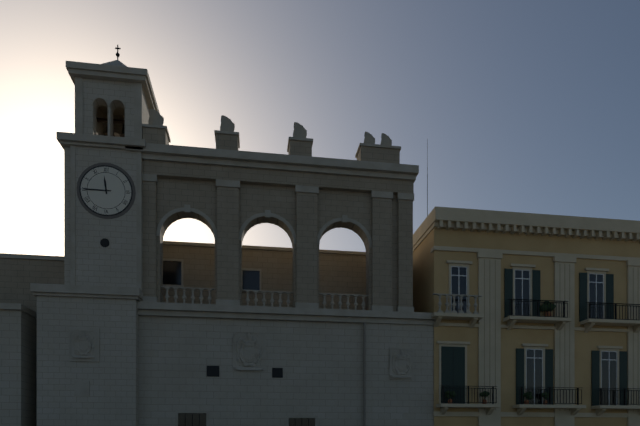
**11:45**
